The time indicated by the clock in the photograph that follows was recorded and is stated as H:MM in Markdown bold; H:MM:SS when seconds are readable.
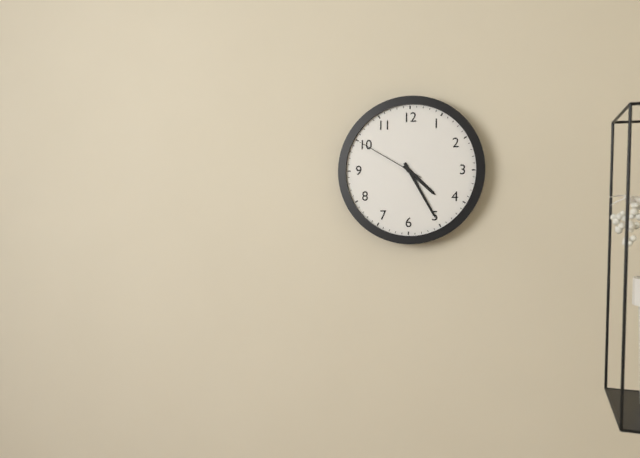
**4:25:50**
